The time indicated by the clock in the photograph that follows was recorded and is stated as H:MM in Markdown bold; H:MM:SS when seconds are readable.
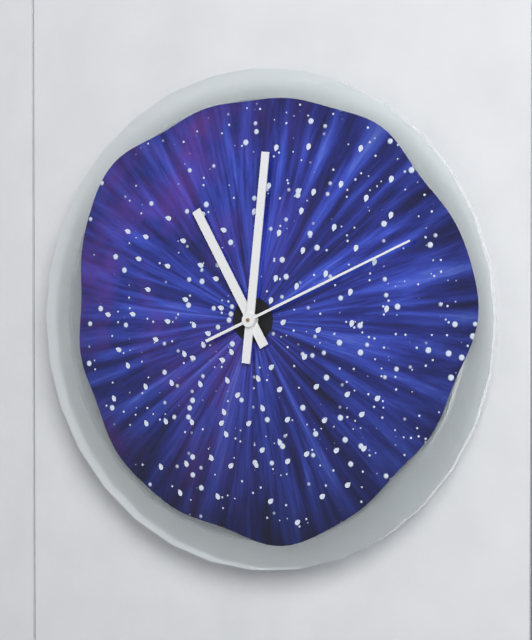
**11:01:11**
